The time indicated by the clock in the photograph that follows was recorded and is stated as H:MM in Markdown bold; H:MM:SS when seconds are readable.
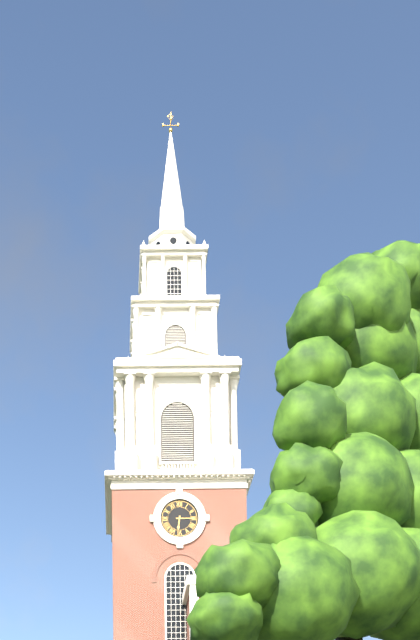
**6:15**
